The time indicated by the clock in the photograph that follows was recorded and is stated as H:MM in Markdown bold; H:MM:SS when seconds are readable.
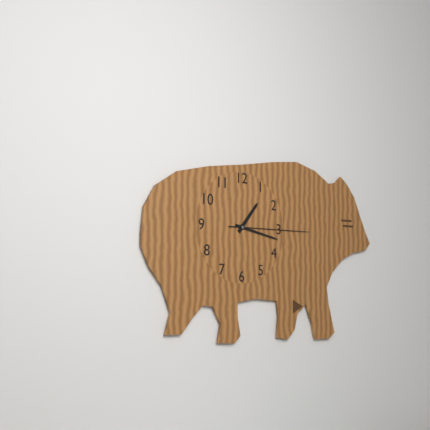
**1:17:15**
